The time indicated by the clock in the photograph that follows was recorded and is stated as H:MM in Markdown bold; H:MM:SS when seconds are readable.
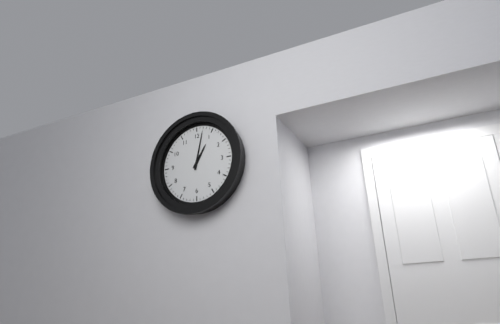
**1:02**
